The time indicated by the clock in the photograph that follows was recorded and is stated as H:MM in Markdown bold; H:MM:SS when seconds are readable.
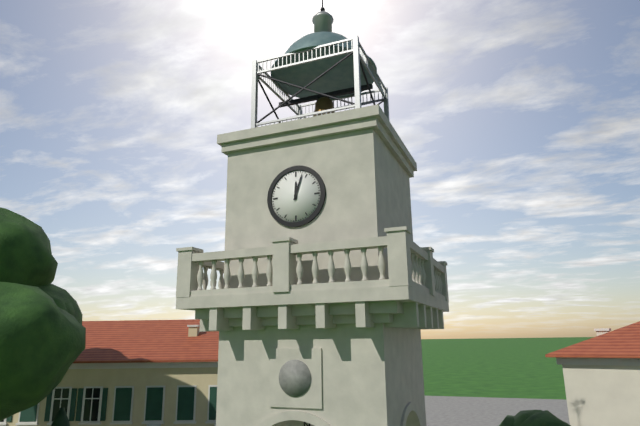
**12:03**
